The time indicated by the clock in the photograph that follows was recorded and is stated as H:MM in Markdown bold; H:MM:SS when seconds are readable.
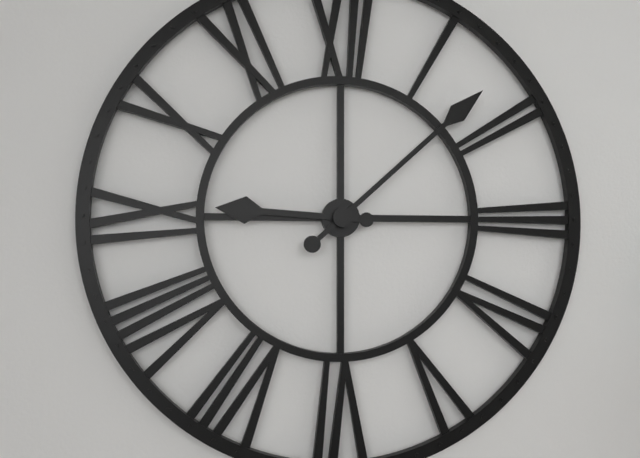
**9:08**
